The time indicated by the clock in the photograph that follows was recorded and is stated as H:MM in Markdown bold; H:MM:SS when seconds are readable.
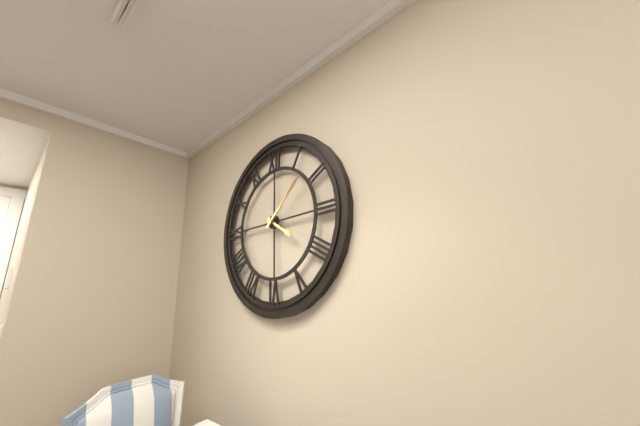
**4:08**
